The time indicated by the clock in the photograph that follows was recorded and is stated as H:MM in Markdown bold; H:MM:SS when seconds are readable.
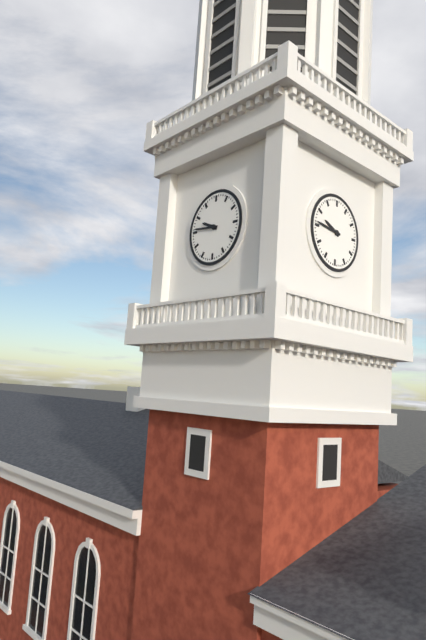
**9:46**
